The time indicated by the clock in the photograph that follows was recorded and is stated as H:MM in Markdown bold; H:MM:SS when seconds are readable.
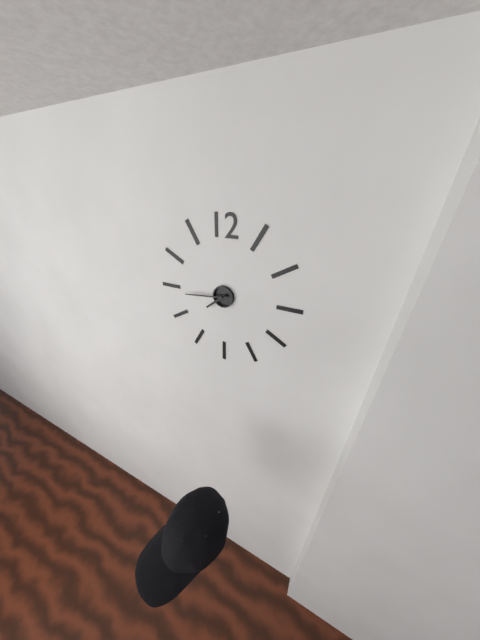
**7:44**
